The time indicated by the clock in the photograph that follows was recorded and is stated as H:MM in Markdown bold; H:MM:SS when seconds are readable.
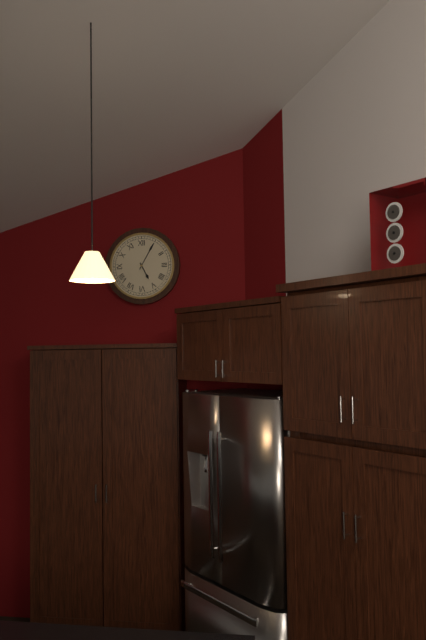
**5:05**
